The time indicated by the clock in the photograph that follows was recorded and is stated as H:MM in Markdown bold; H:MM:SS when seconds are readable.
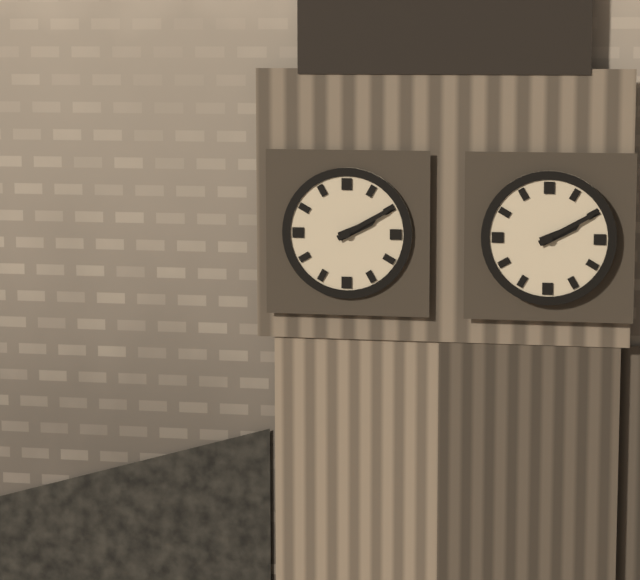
**2:10**
